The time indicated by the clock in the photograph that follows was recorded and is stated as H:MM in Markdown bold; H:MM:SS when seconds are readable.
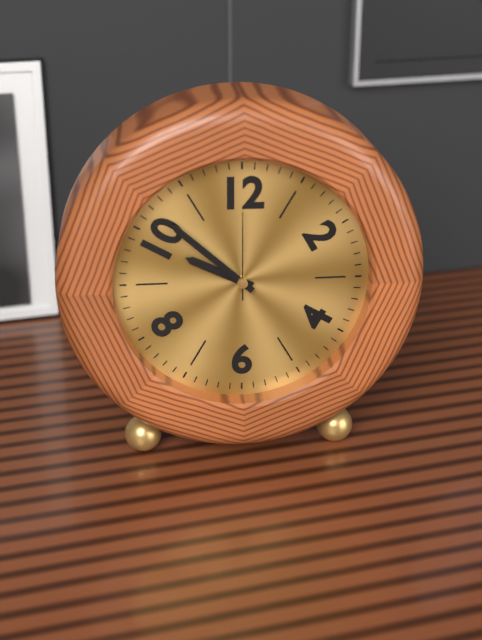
**9:52:00**
